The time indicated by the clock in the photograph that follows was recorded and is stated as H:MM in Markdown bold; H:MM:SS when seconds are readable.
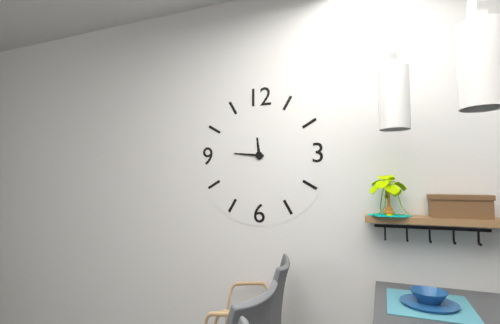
**11:46**
